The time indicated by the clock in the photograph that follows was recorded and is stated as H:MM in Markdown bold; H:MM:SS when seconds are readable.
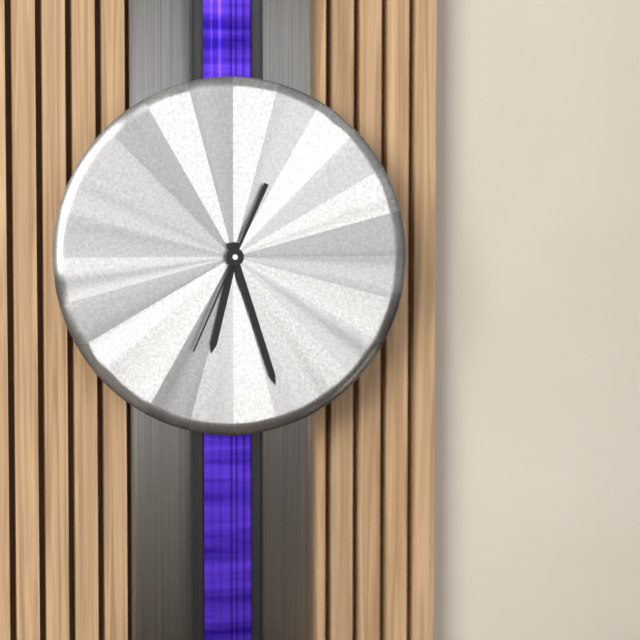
**6:27:34**
